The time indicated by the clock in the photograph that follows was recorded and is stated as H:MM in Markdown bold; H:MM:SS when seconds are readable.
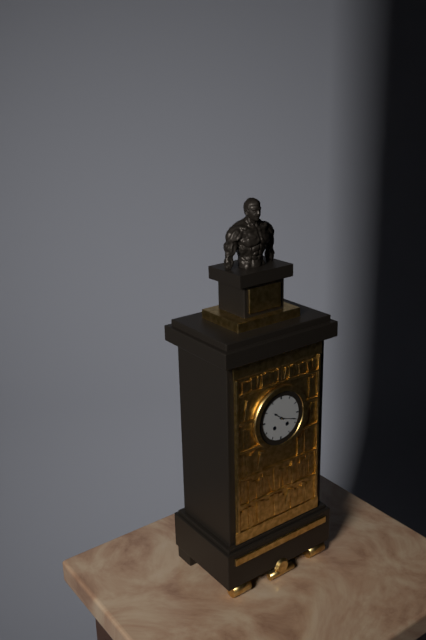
**10:18**
